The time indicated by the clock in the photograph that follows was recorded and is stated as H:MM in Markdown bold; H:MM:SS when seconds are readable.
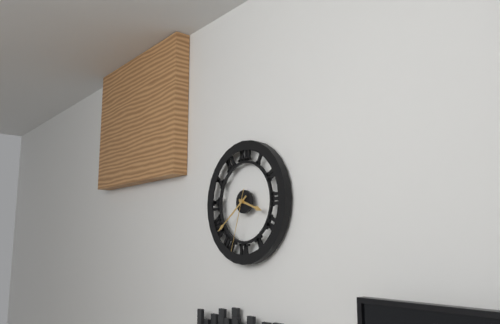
**3:39:33**
